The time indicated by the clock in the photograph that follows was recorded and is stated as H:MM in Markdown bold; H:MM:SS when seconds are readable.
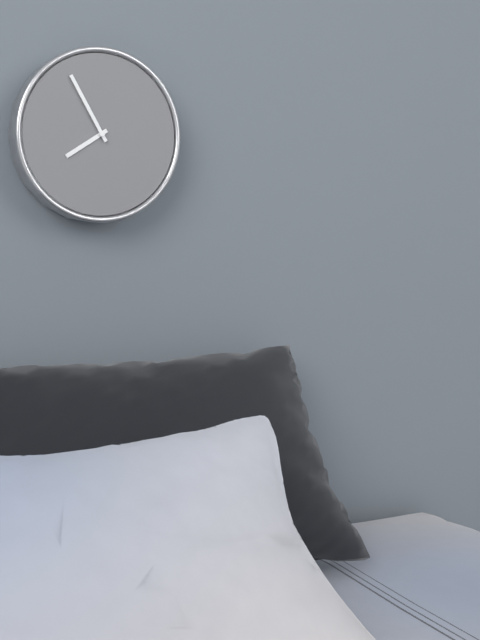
**7:55**
